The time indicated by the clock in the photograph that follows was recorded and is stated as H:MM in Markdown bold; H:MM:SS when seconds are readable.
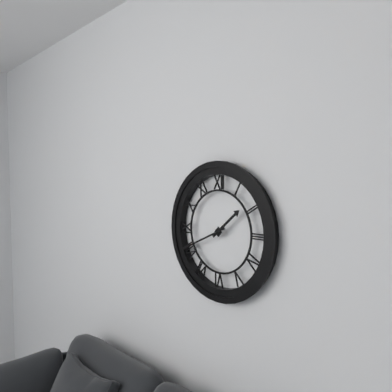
**1:41**
